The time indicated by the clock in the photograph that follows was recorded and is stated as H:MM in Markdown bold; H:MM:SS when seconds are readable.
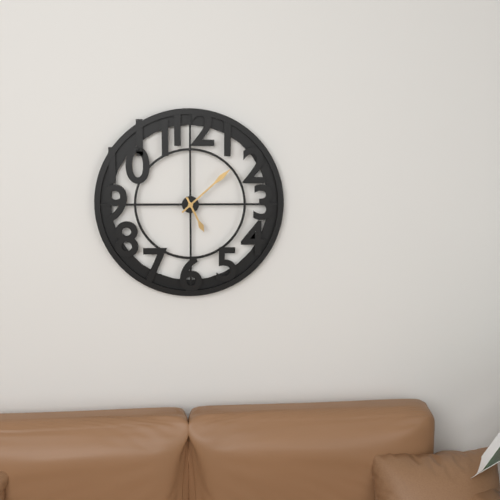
**5:08**
